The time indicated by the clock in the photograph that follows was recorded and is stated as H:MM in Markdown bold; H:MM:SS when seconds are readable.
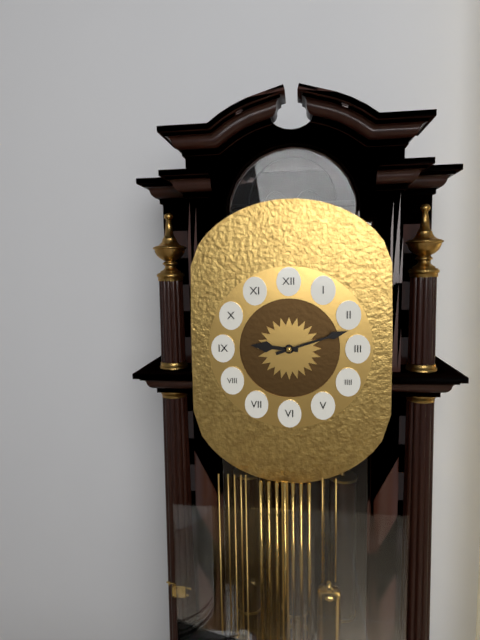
**9:12**
